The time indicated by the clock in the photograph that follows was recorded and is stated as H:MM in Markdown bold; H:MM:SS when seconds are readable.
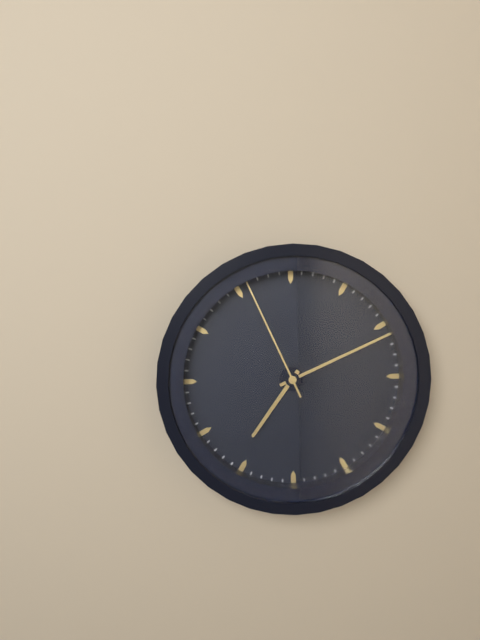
**7:11:56**
